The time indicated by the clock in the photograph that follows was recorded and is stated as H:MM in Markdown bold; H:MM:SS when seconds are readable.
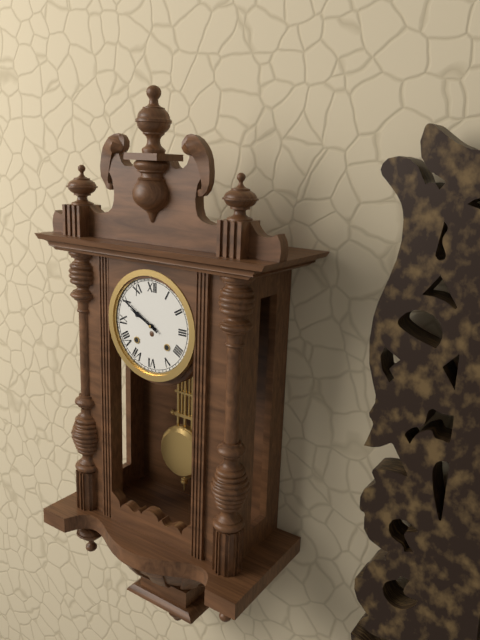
**9:50**
